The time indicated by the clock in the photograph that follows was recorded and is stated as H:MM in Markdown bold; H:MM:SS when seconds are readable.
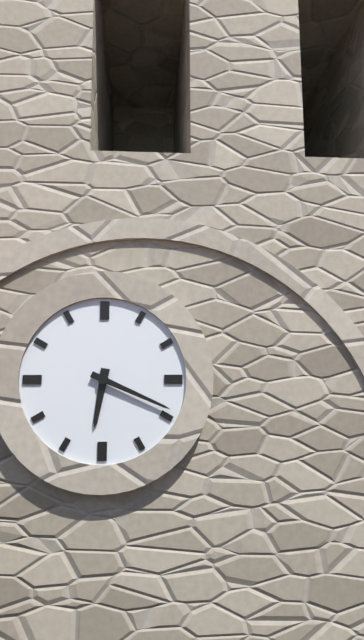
**6:19**
